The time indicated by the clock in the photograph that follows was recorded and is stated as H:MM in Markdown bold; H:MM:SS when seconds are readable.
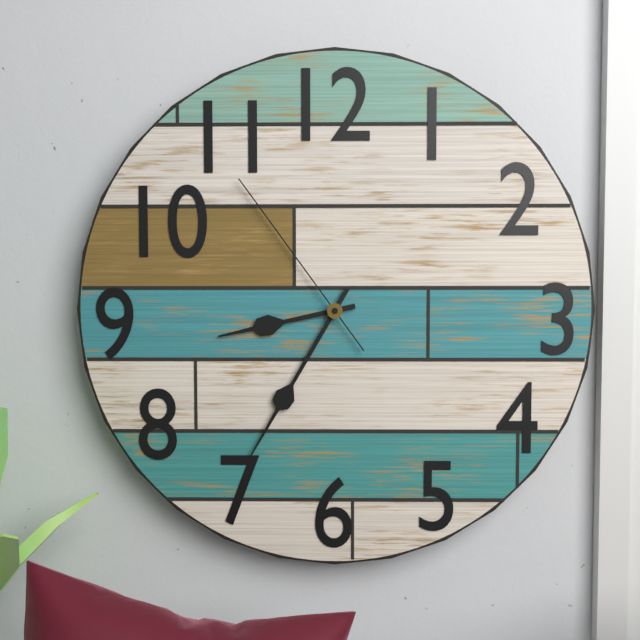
**8:35:54**
